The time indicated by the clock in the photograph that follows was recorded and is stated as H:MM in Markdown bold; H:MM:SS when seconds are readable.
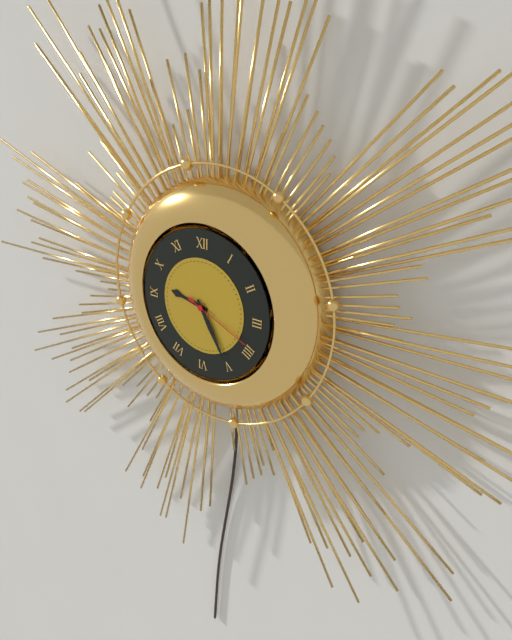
**9:25:19**
